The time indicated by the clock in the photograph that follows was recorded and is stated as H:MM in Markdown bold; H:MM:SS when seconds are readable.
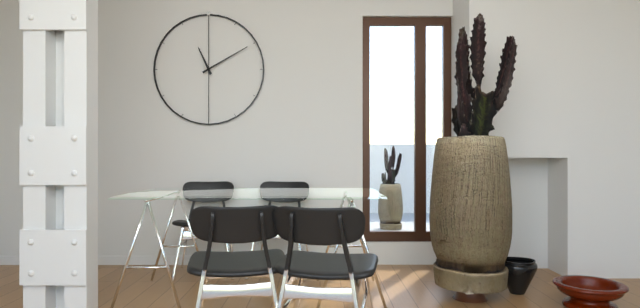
**11:10**
